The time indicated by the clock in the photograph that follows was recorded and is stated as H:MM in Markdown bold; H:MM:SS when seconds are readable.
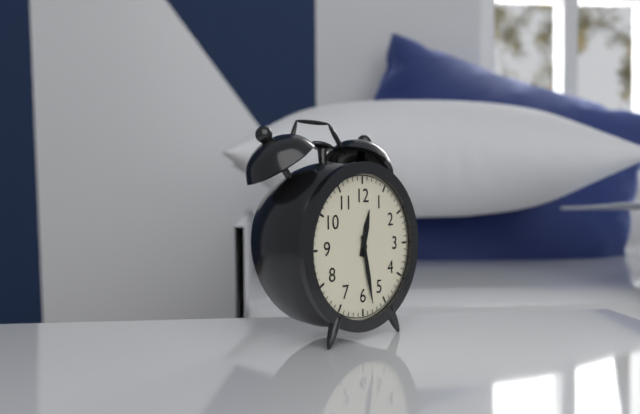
**12:28**
